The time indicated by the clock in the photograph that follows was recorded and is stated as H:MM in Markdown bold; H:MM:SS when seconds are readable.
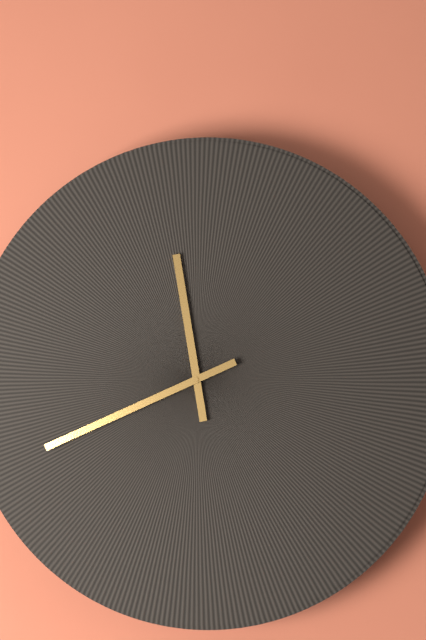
**11:41**
